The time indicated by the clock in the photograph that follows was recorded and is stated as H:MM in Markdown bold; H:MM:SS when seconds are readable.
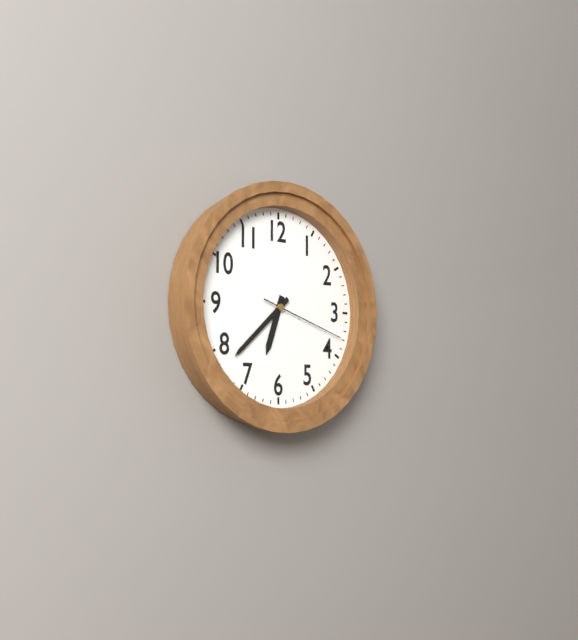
**6:38:18**
